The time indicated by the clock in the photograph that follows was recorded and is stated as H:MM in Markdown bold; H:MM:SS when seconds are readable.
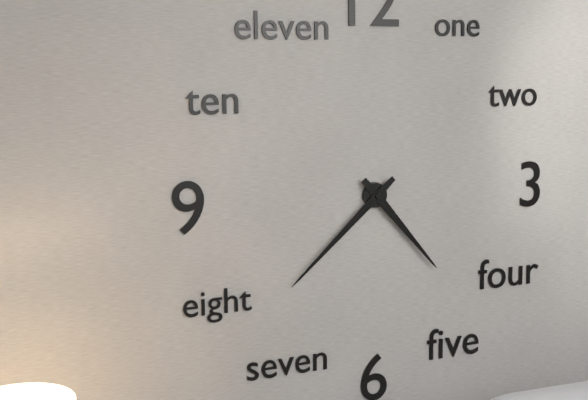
**4:38**
